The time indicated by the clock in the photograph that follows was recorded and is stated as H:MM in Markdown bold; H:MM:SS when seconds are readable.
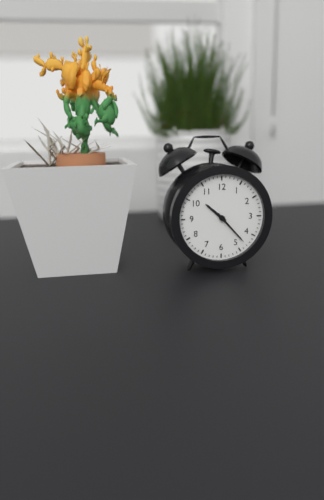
**10:23**
